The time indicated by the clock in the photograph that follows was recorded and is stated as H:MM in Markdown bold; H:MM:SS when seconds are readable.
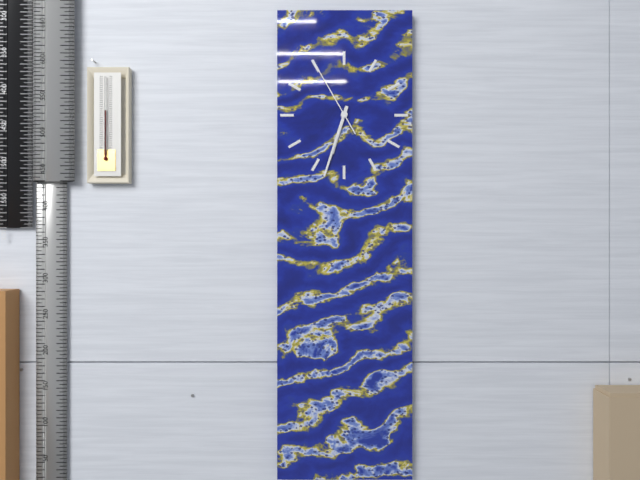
**6:33:55**
